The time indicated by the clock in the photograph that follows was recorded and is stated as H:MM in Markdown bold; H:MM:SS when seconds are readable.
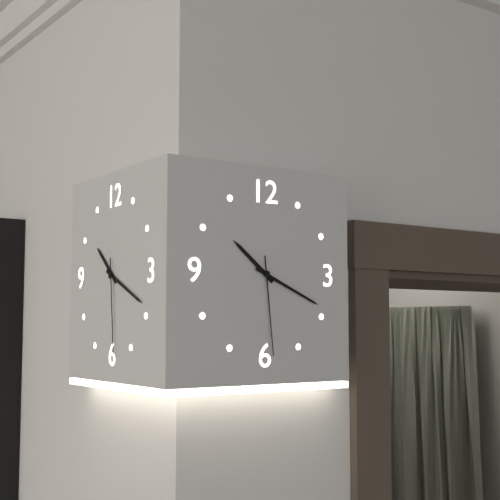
**10:19:29**
